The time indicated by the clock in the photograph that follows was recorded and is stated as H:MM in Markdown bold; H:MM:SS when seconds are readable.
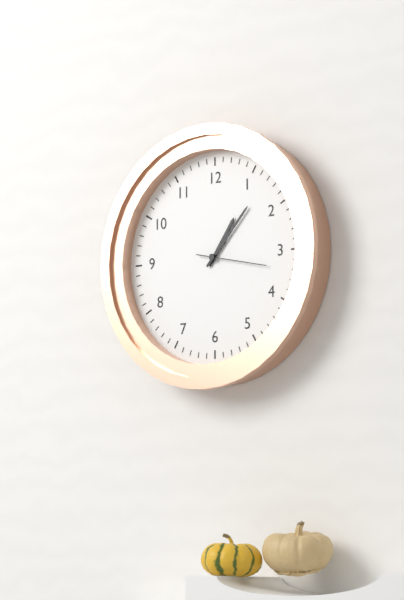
**1:07:17**
